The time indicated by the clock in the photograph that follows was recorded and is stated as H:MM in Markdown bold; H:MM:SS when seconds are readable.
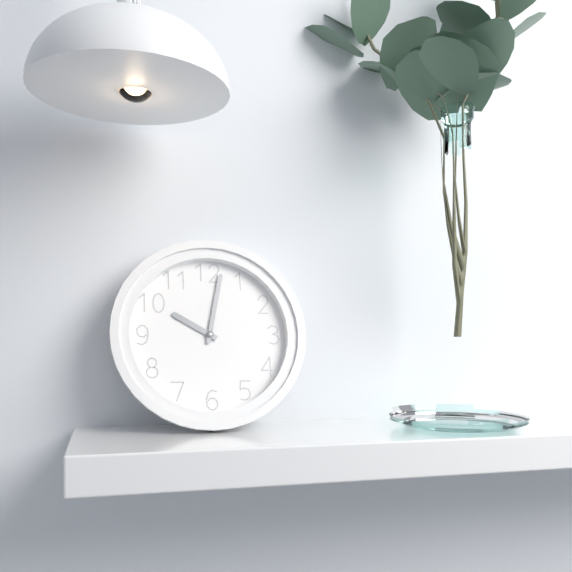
**10:02**
